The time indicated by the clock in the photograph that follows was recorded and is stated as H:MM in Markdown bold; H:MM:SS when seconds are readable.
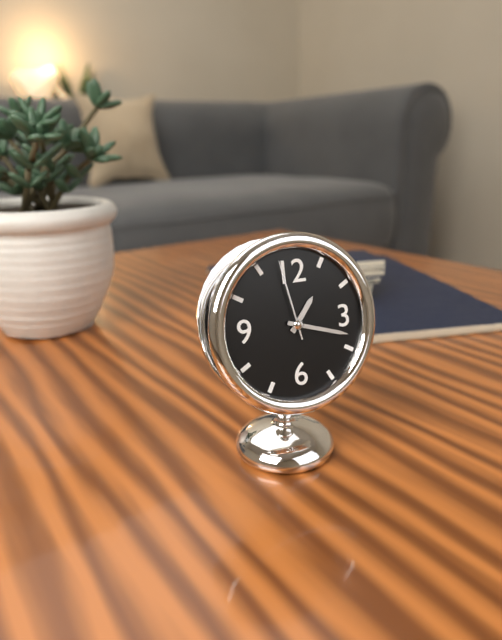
**1:18:58**
